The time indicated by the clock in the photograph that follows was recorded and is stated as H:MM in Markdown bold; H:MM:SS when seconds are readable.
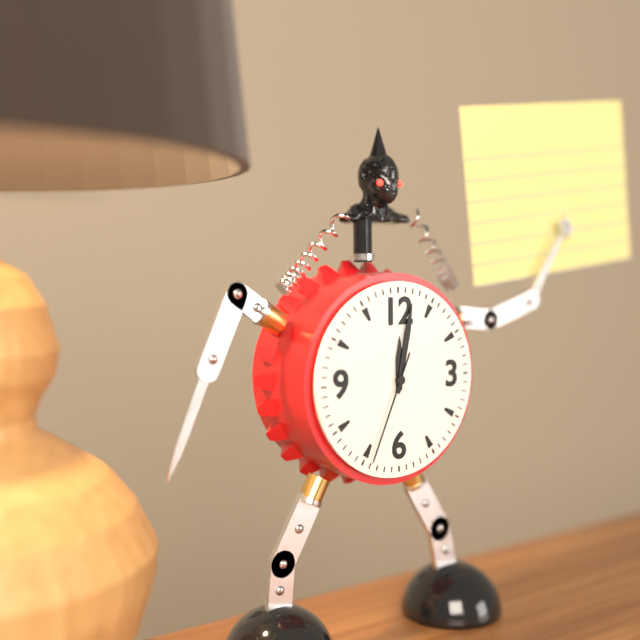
**12:02:34**
